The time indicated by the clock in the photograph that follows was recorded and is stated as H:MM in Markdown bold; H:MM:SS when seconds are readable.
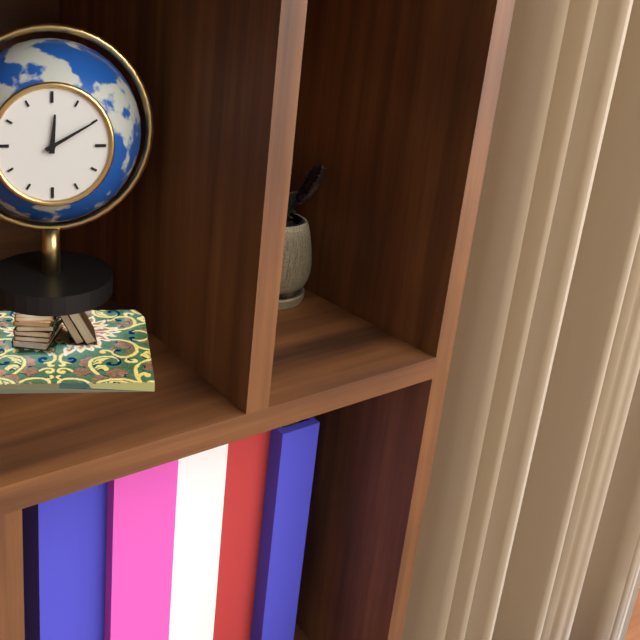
**12:10**
